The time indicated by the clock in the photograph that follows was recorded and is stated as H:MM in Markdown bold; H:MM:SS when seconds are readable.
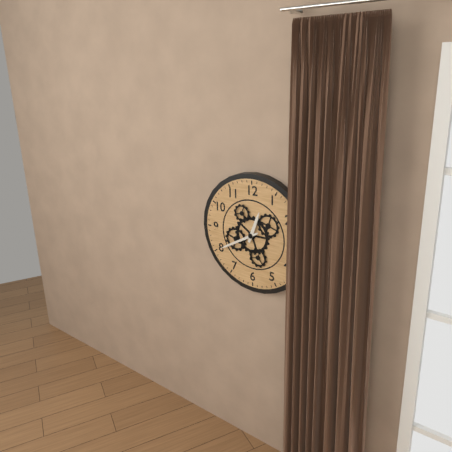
**12:40**
